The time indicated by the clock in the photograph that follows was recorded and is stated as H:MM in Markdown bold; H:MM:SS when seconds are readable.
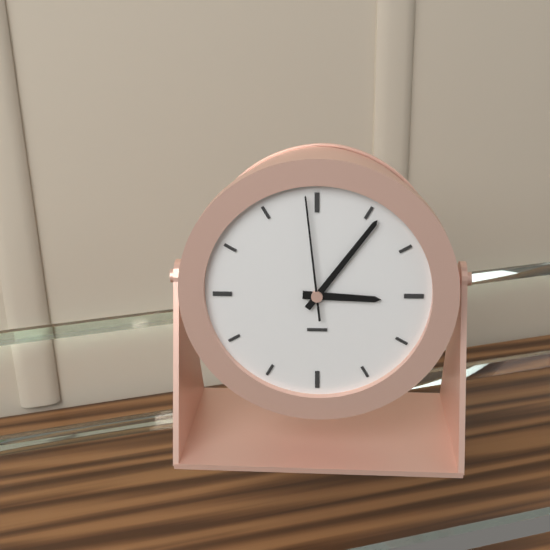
**3:06:59**
